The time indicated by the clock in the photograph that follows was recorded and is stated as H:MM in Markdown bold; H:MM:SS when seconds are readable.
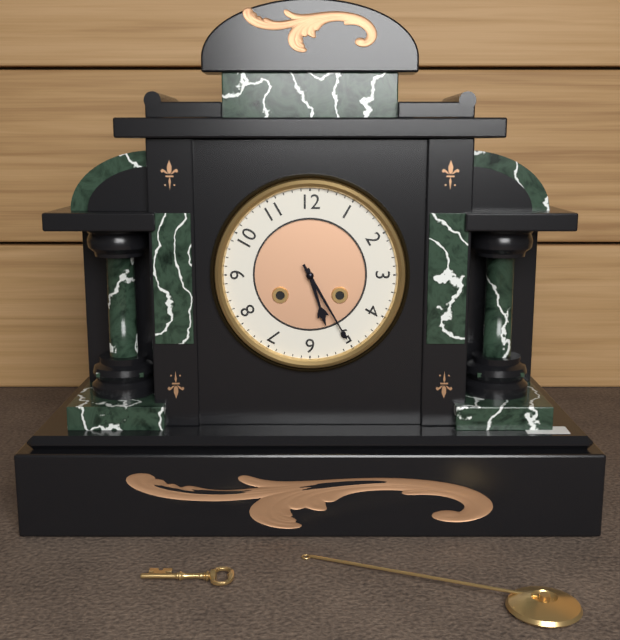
**5:25**
